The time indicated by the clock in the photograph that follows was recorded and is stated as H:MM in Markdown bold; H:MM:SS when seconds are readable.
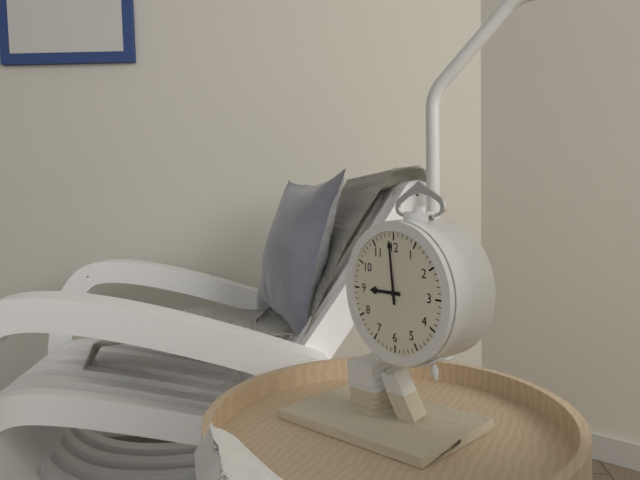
**8:59**
